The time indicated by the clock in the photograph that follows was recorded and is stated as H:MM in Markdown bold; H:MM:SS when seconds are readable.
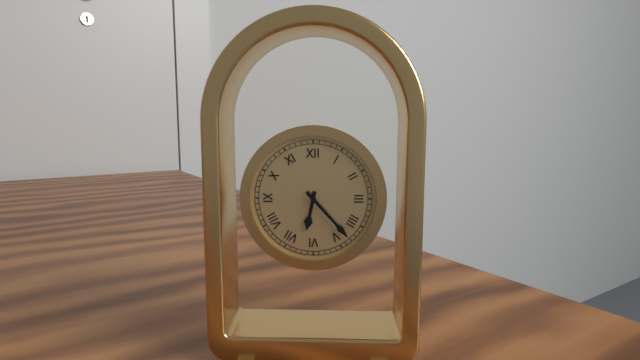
**6:23**
